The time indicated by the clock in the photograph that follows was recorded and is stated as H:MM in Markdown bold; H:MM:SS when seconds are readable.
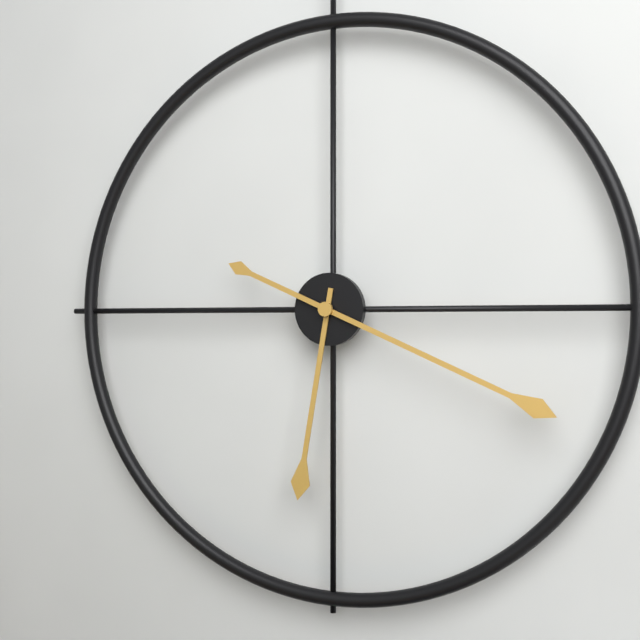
**6:19**
